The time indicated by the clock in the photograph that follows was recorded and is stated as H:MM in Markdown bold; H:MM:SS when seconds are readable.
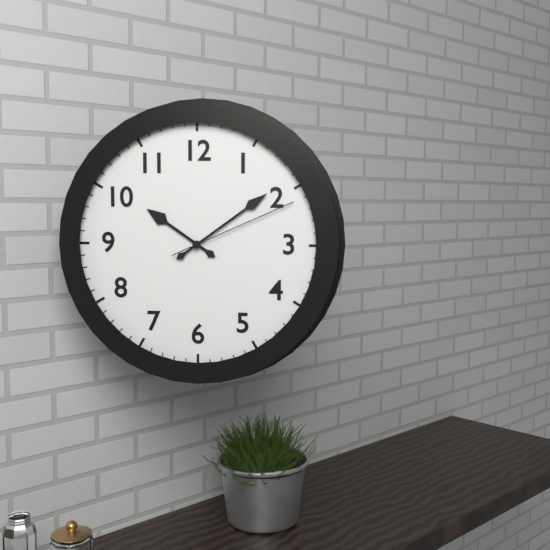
**10:09:11**
